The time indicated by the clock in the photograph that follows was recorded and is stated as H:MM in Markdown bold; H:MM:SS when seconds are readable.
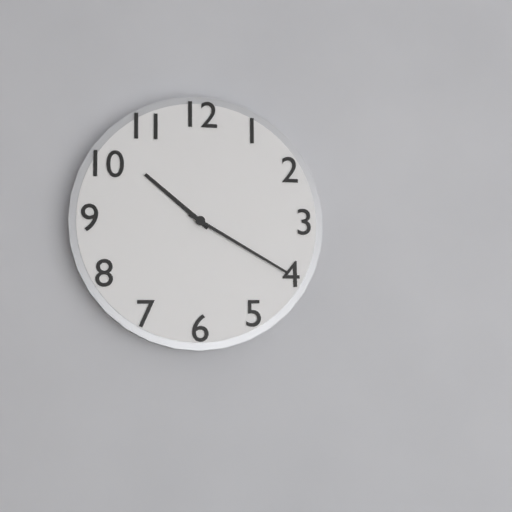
**10:20**
